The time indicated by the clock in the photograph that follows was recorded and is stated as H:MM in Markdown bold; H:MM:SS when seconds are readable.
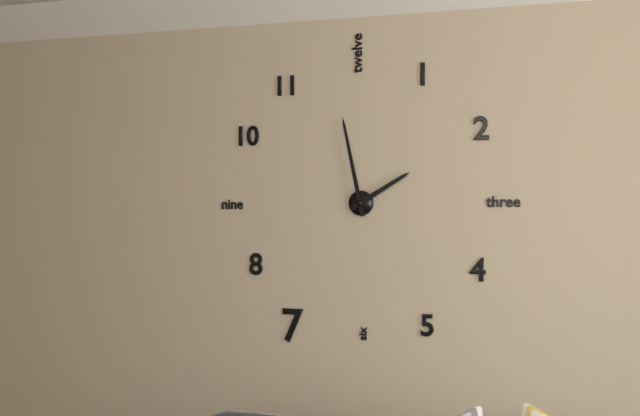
**1:58**
